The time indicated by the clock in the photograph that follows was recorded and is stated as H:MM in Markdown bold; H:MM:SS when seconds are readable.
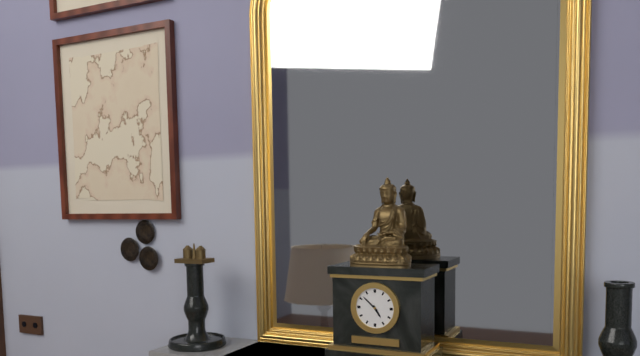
**4:52**
